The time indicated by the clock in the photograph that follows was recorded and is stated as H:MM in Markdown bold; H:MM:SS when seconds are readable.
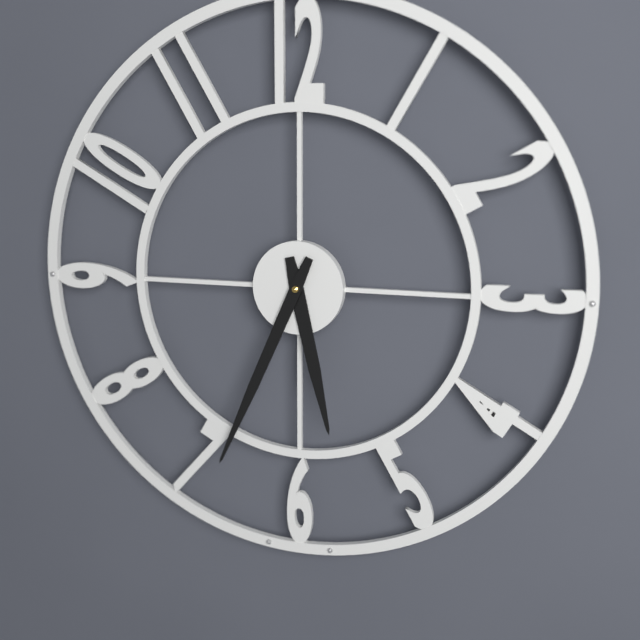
**5:34**
